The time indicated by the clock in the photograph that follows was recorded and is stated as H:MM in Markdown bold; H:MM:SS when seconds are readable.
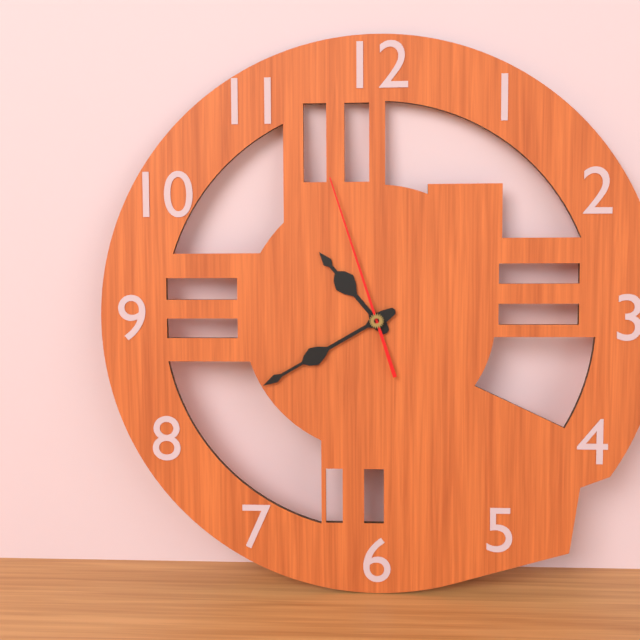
**10:40:57**
